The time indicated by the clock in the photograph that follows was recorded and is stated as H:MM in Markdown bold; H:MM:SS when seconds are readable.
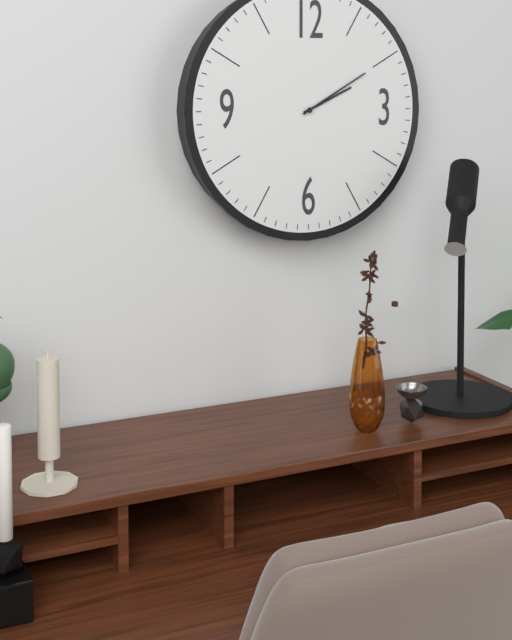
**2:10**
